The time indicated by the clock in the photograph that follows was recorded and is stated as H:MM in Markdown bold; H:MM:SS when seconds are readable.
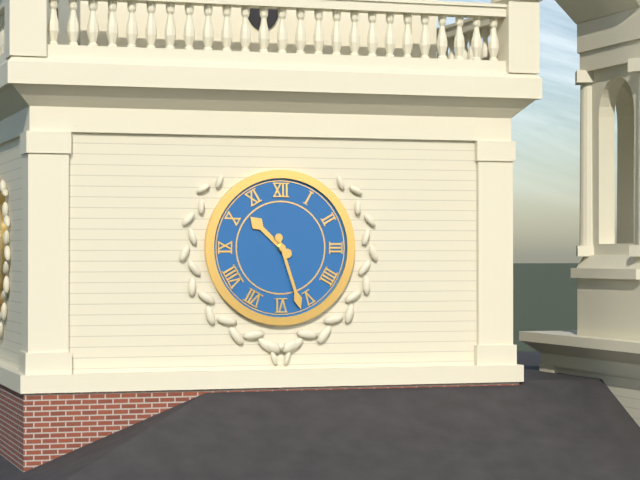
**10:27**
